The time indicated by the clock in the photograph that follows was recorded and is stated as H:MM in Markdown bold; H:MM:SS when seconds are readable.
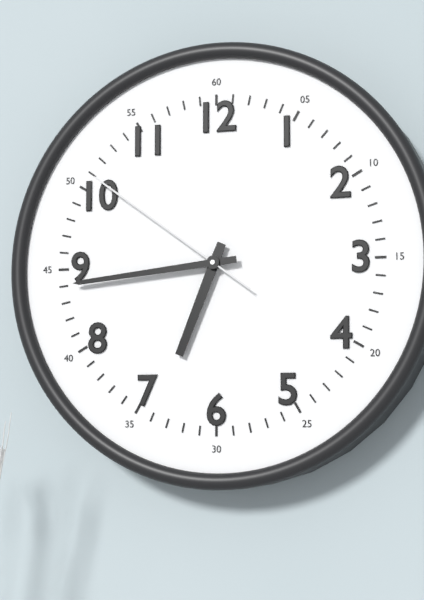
**6:44:51**
